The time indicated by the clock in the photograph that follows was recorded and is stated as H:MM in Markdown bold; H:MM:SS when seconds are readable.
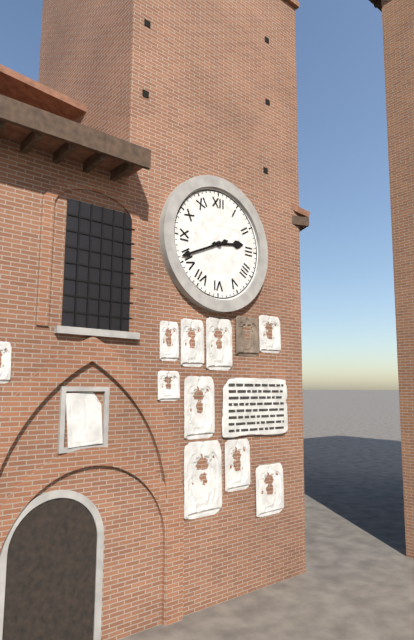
**2:41**
